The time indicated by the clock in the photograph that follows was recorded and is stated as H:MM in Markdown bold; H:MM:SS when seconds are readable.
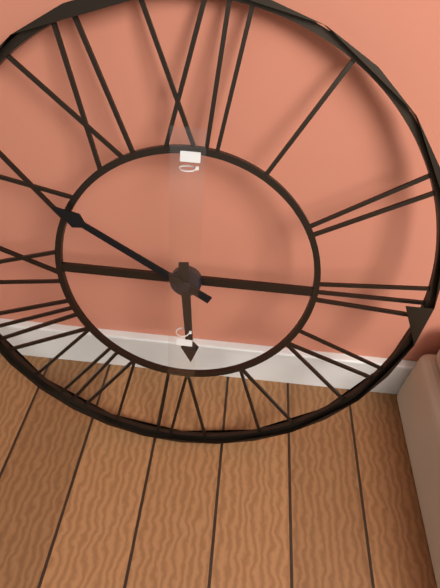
**5:50**
